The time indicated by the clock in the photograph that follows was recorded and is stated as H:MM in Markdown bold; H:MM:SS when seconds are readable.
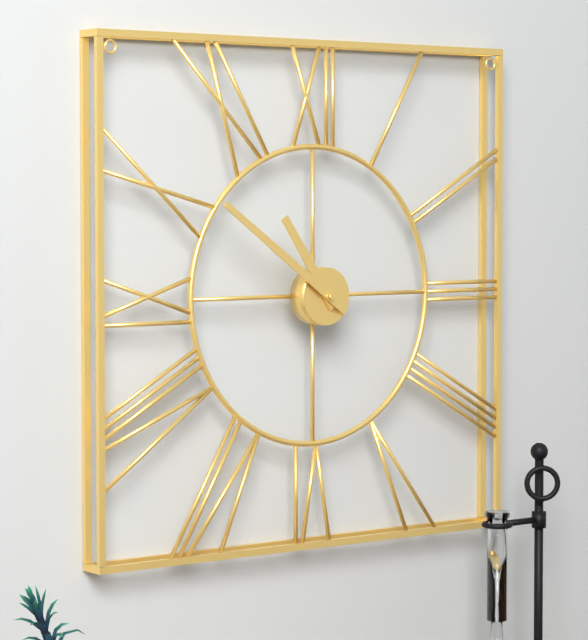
**10:51**
